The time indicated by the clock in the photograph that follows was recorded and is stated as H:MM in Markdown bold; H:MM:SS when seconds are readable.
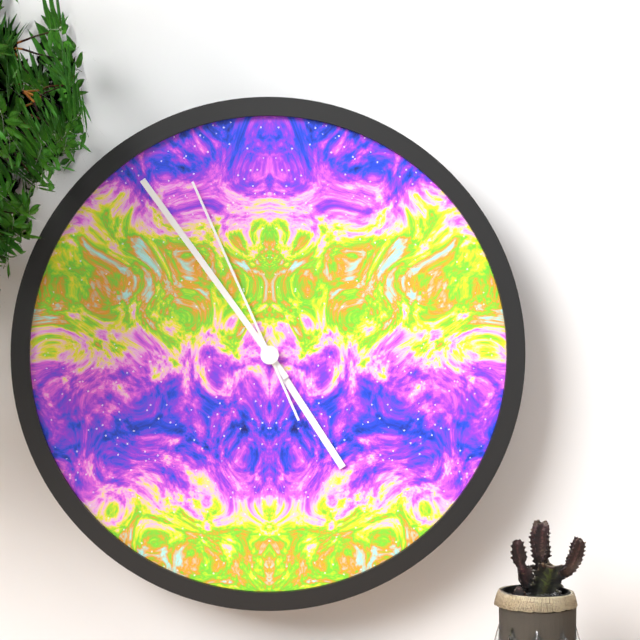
**4:54:56**
